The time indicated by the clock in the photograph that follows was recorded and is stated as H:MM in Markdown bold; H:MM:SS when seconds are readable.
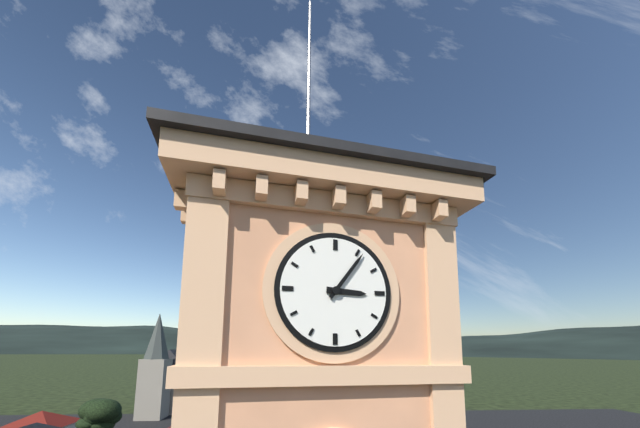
**3:06**
